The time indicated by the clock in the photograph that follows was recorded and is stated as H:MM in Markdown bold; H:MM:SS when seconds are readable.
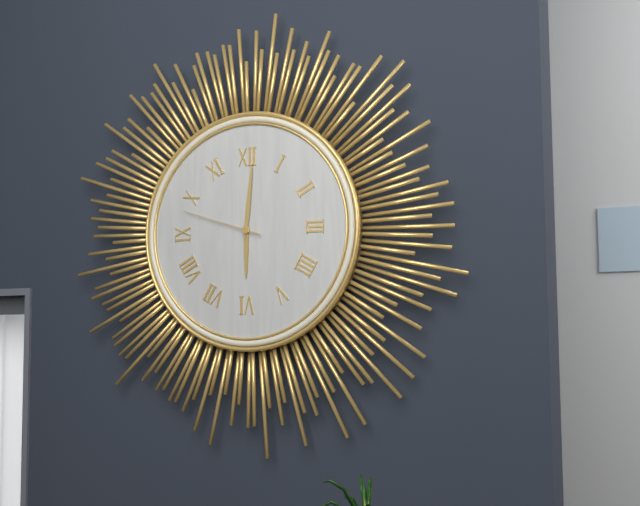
**6:01:48**
